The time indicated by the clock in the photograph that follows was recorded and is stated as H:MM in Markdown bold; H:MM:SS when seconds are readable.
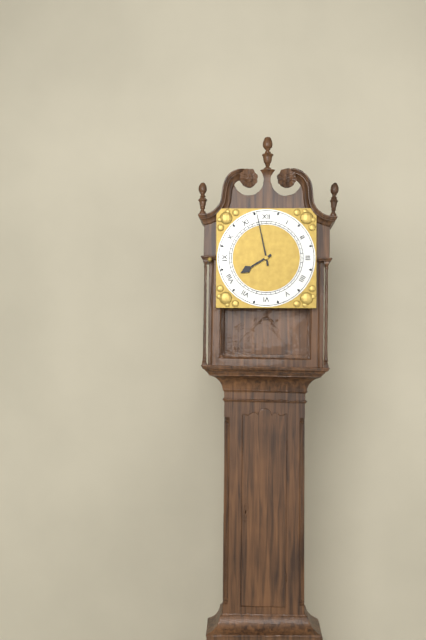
**7:58**
